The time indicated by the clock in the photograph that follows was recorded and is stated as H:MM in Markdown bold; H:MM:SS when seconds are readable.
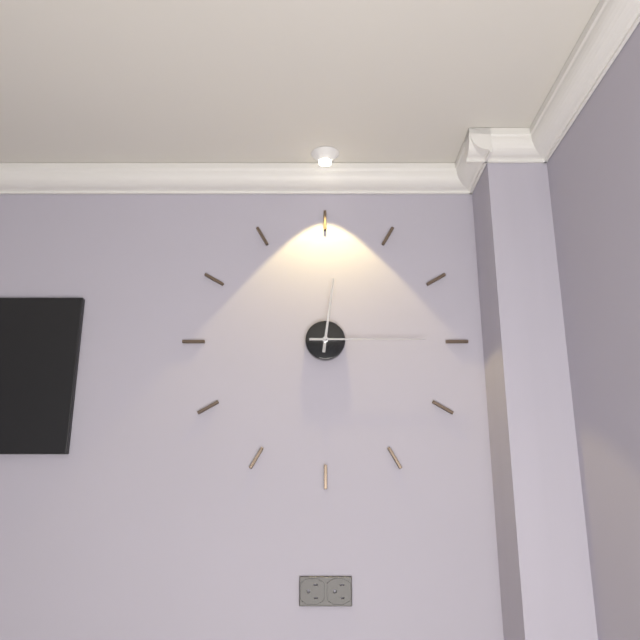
**12:15**
